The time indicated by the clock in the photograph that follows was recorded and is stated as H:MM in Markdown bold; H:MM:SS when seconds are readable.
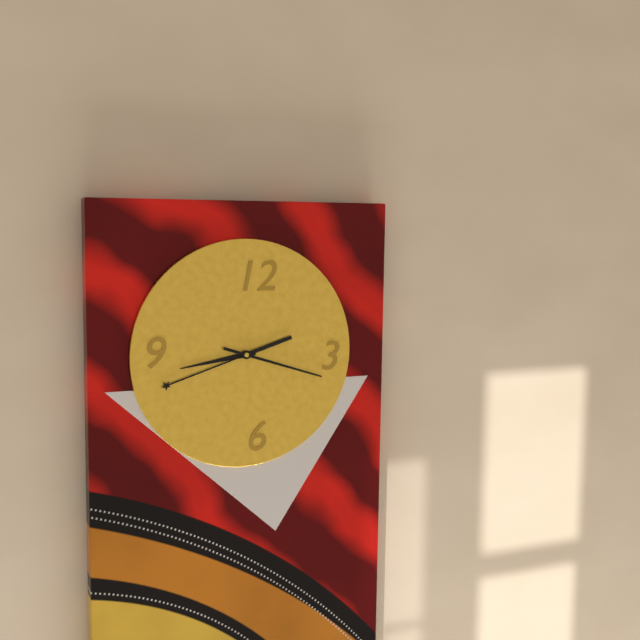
**8:42:18**
